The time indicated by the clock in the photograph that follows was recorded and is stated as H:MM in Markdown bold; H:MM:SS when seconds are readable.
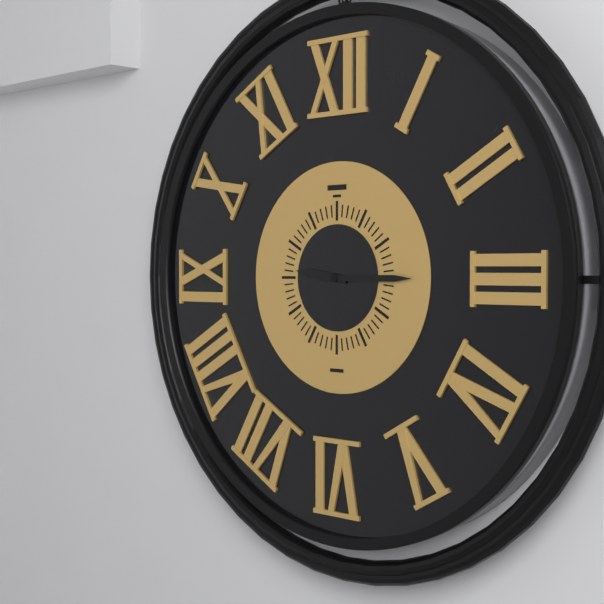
**9:15**
